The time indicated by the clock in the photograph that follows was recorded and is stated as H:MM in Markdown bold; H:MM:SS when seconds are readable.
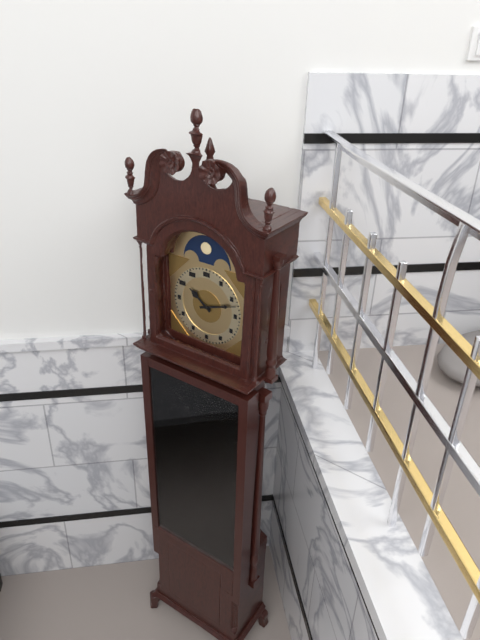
**10:12**
